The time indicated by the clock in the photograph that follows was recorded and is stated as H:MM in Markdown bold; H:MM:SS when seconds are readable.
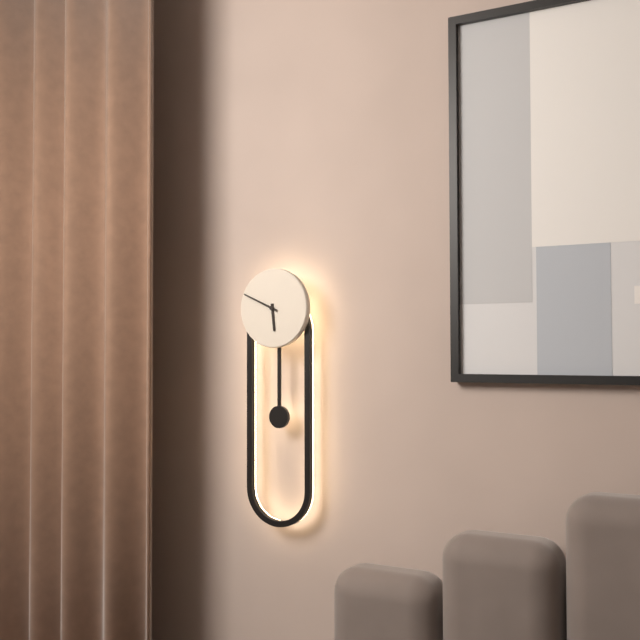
**5:49**
